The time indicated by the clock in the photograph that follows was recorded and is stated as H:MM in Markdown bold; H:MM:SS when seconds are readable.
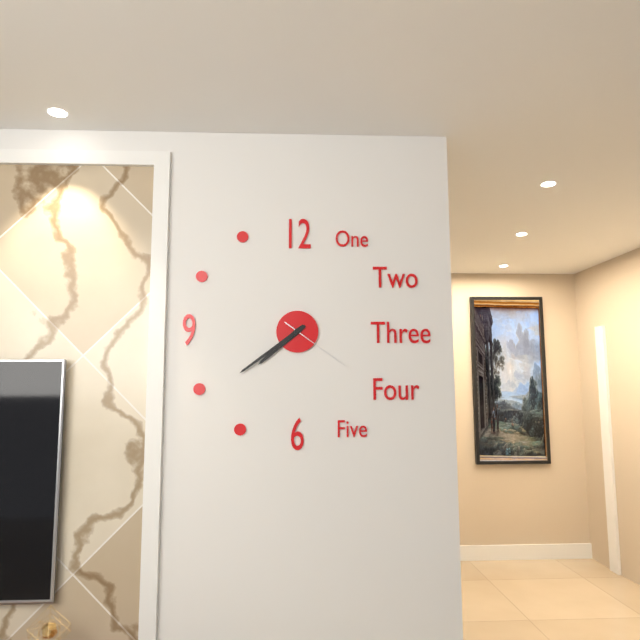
**7:39:21**
